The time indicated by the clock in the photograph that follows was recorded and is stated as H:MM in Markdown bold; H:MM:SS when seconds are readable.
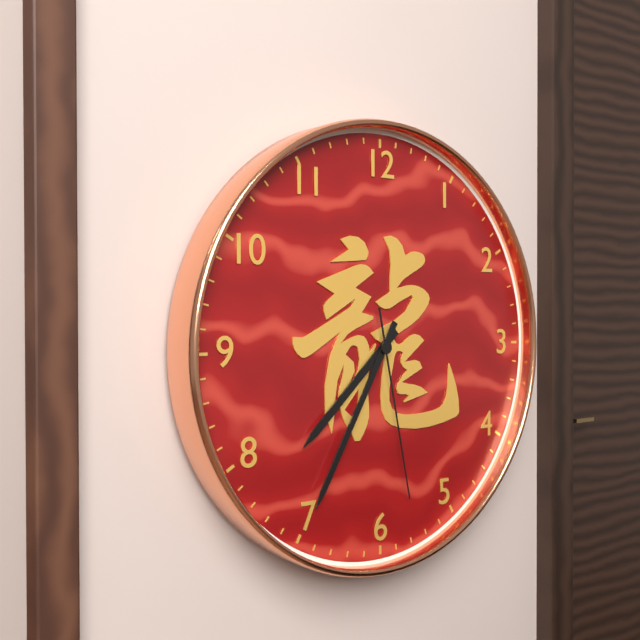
**7:35:28**
